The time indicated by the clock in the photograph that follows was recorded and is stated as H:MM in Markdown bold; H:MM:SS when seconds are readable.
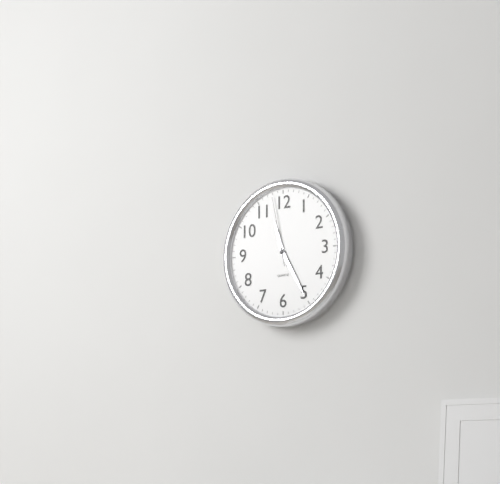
**11:25:58**
